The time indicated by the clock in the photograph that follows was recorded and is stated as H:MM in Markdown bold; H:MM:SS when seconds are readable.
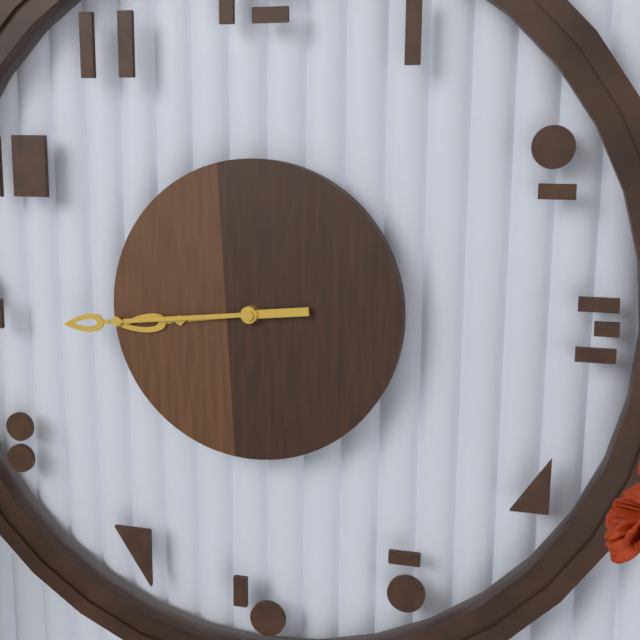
**8:44**
